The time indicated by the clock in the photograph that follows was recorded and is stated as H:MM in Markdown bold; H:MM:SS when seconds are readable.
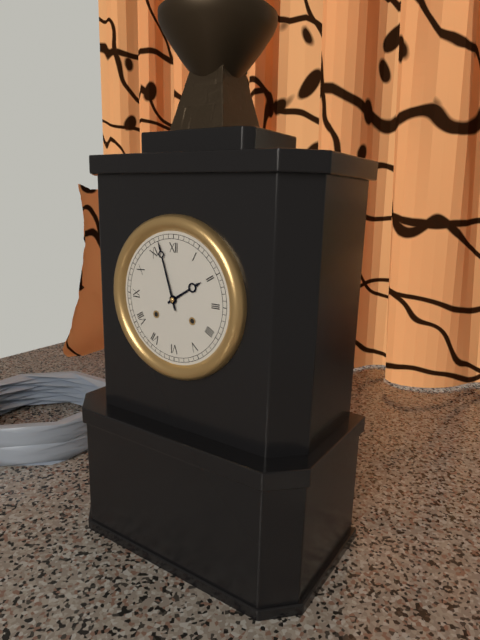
**1:57**
